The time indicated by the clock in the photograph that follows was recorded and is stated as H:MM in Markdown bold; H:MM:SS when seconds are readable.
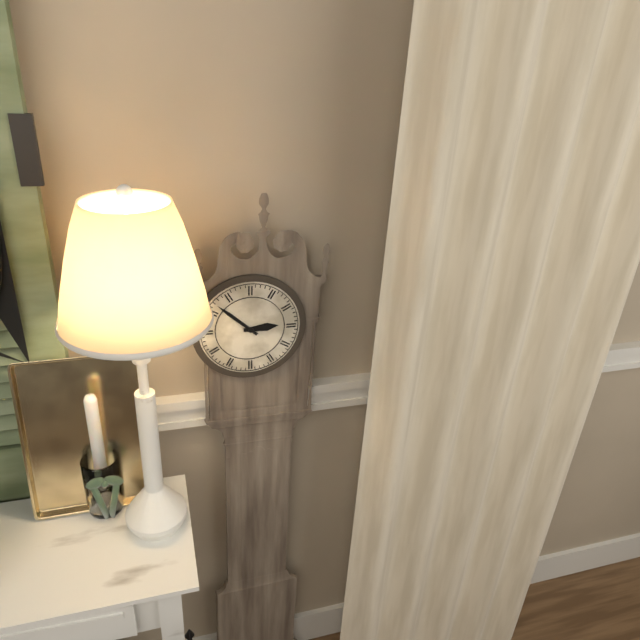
**2:52**
